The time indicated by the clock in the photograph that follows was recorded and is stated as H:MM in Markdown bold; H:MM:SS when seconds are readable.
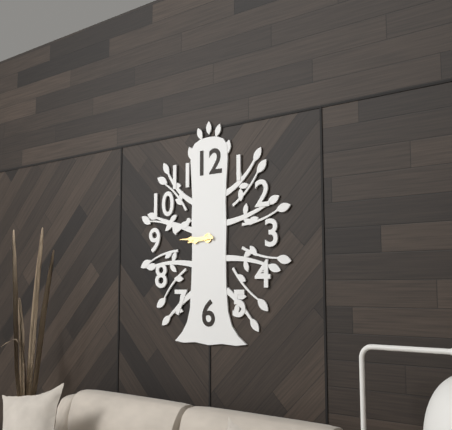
**8:45**
